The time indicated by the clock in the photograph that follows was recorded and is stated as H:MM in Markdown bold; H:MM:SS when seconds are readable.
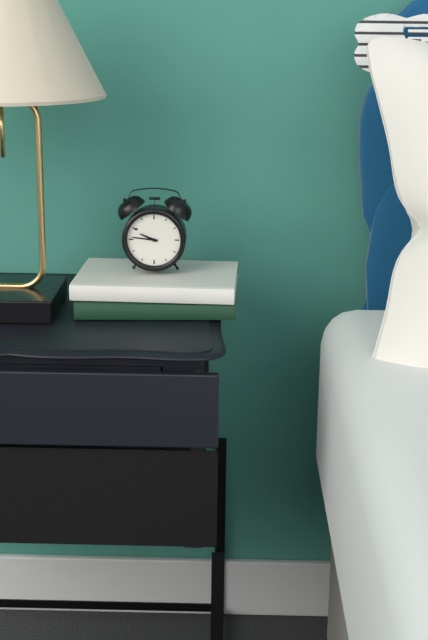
**9:46**
